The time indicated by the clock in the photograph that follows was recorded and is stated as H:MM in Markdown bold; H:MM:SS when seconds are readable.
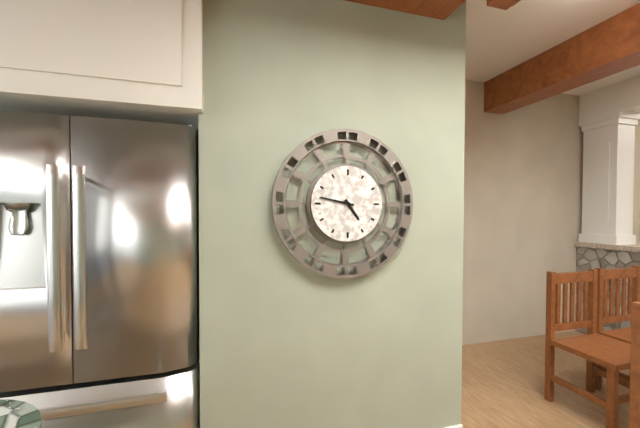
**4:47**
